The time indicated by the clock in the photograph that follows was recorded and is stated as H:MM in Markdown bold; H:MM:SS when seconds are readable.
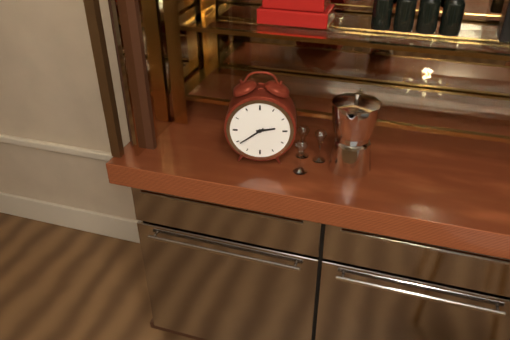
**2:39**
